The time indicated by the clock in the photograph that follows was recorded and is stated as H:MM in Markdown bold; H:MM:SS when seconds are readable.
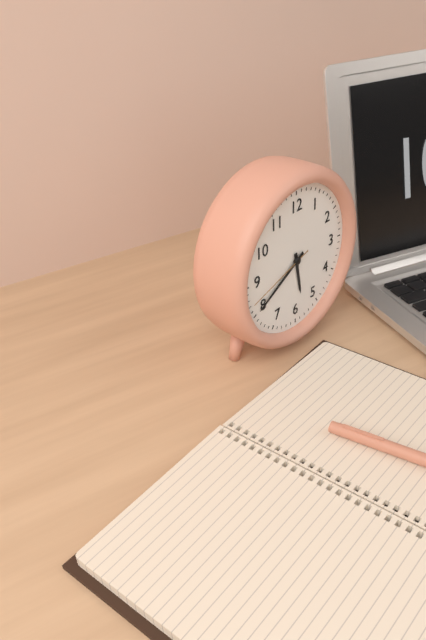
**5:40:42**
